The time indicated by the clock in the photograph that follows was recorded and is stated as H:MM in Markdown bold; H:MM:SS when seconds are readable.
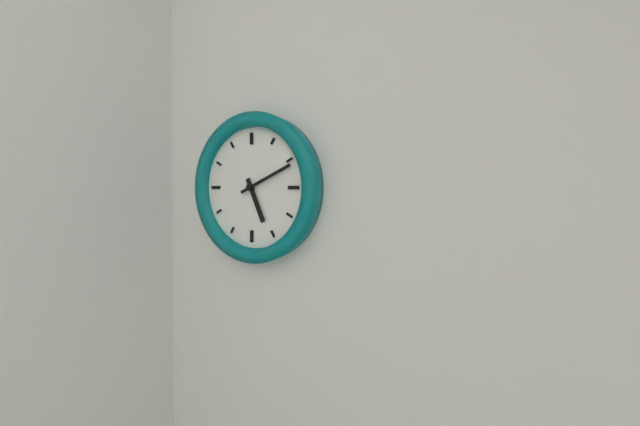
**5:11**
